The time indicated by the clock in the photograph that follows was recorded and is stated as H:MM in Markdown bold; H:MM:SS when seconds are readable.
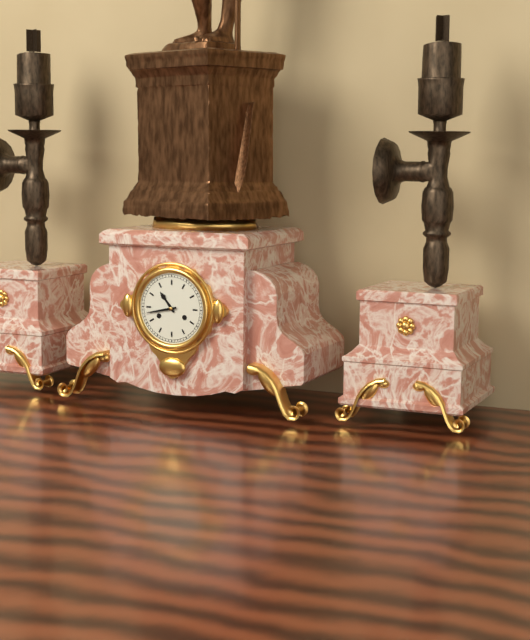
**10:43**
